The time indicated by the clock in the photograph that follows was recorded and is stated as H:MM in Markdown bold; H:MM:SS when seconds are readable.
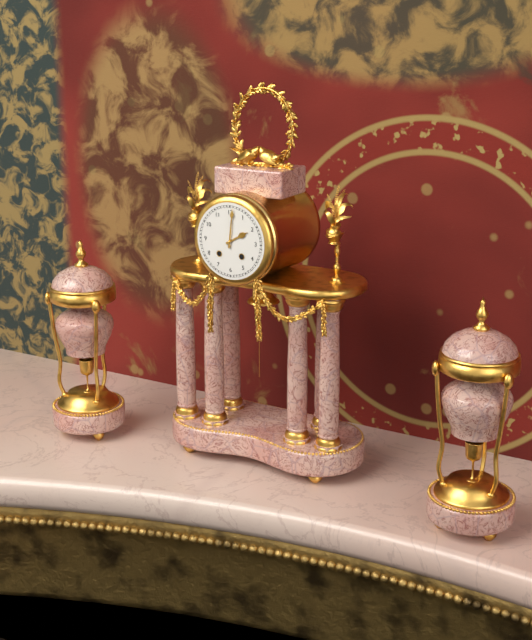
**2:01**
